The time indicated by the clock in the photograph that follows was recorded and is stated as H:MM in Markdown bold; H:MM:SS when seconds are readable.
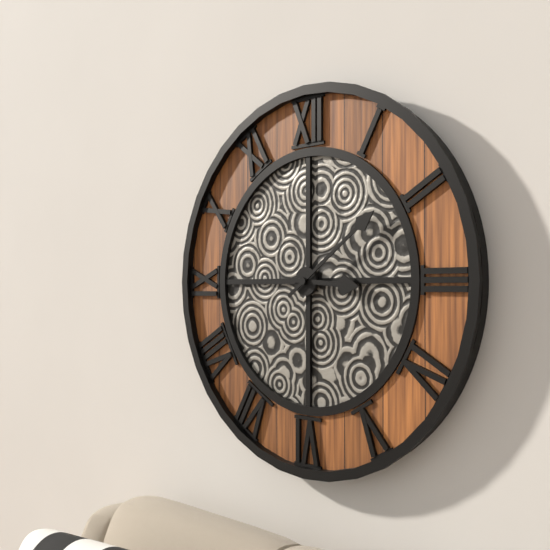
**3:09**
